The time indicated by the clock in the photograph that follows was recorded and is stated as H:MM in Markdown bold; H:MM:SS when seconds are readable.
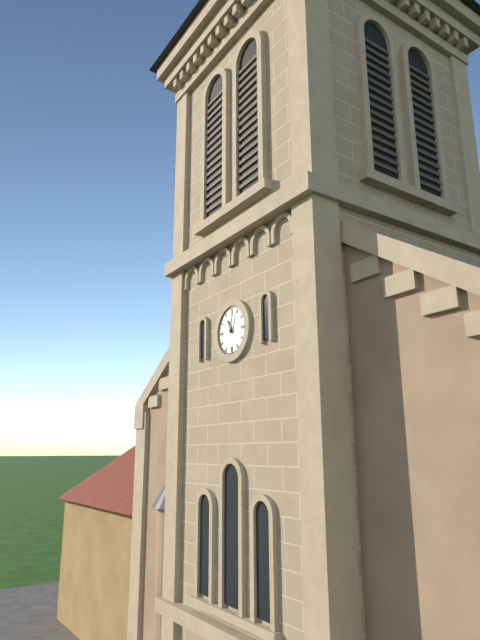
**11:02**
